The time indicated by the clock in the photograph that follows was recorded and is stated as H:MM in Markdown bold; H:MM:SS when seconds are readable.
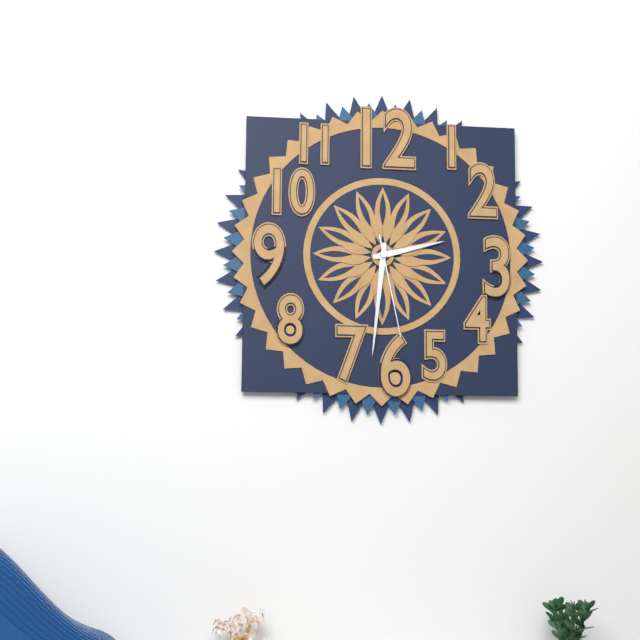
**2:31:28**
